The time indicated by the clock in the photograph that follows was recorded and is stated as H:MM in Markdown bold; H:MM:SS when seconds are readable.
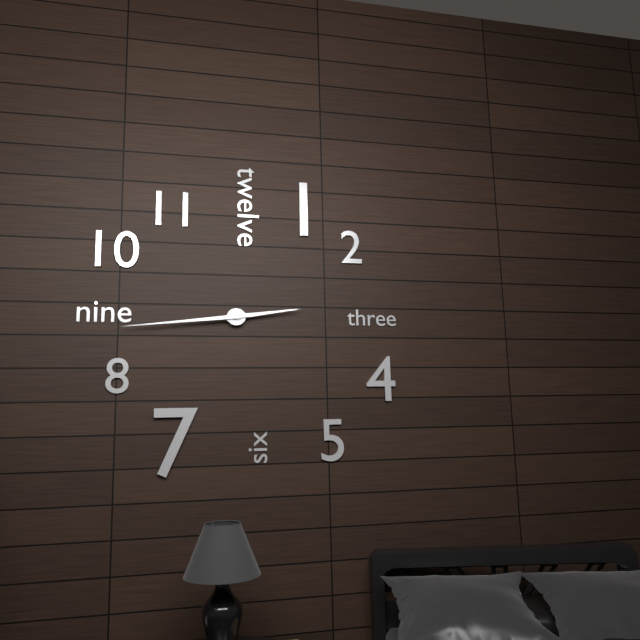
**2:44**
